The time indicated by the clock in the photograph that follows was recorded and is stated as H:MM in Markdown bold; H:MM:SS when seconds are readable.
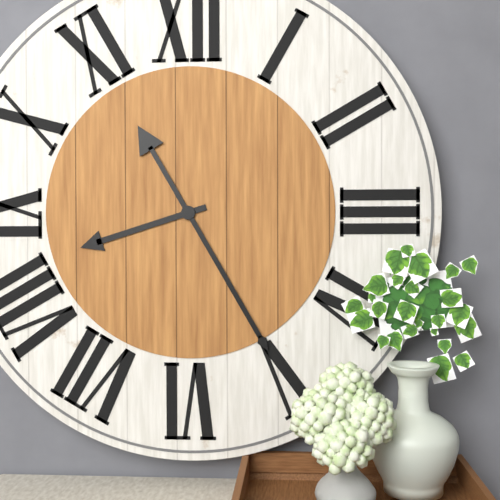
**8:25**
